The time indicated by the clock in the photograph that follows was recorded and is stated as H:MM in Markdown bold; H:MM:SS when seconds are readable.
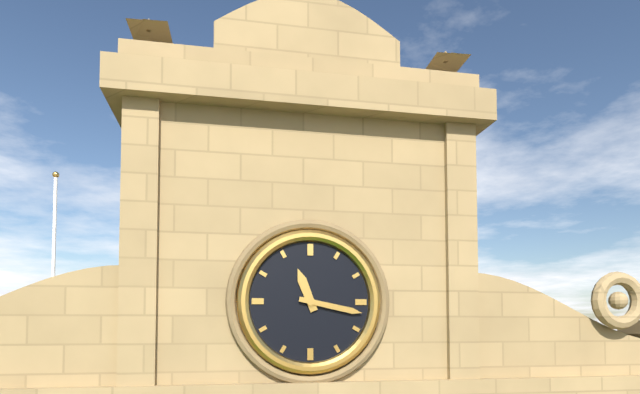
**11:17**
